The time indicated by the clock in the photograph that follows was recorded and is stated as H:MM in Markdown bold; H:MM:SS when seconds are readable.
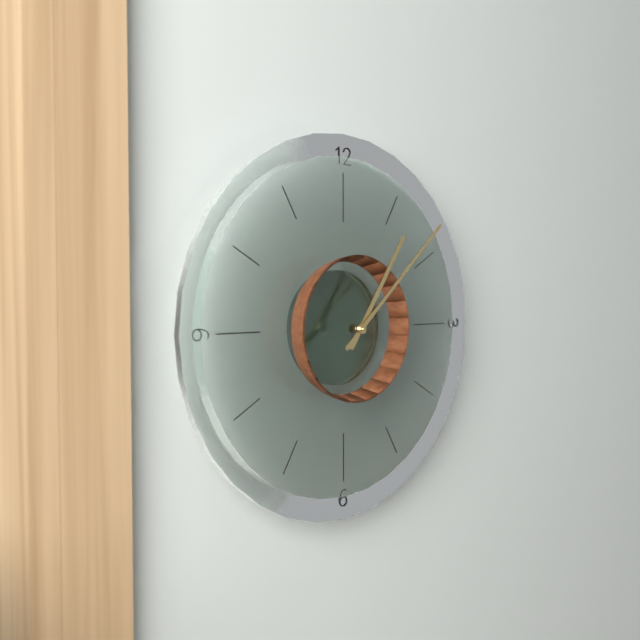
**1:08**
